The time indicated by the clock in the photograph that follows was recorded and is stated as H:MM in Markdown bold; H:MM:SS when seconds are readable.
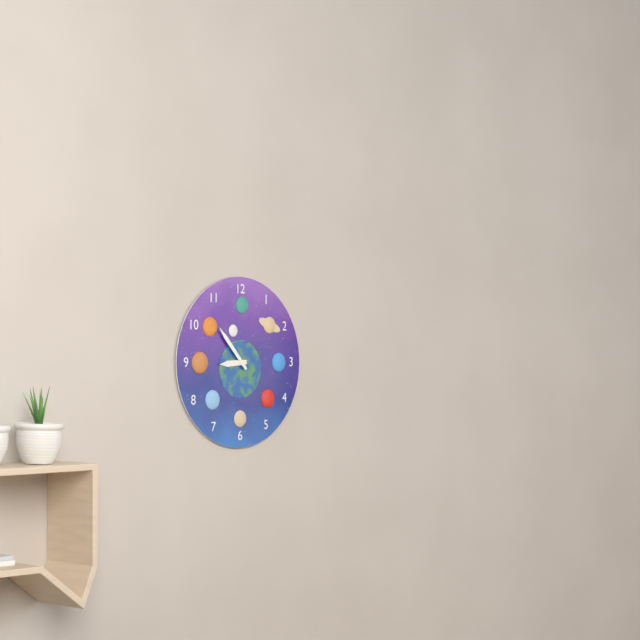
**8:53**
